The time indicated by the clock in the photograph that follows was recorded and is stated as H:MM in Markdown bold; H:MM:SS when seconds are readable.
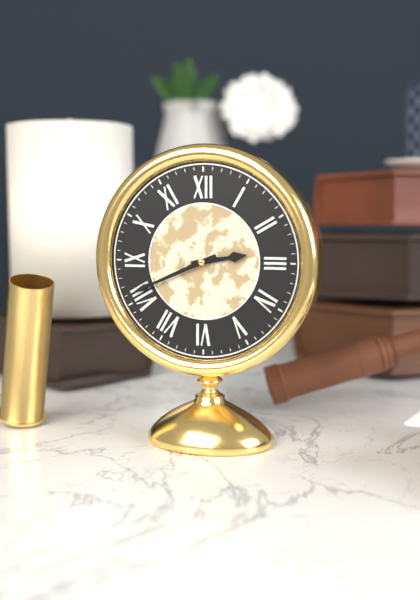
**2:41**
